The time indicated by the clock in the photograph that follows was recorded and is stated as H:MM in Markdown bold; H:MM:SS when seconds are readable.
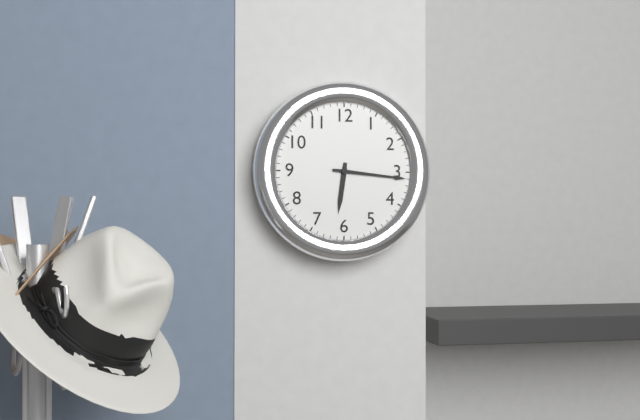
**6:16**
